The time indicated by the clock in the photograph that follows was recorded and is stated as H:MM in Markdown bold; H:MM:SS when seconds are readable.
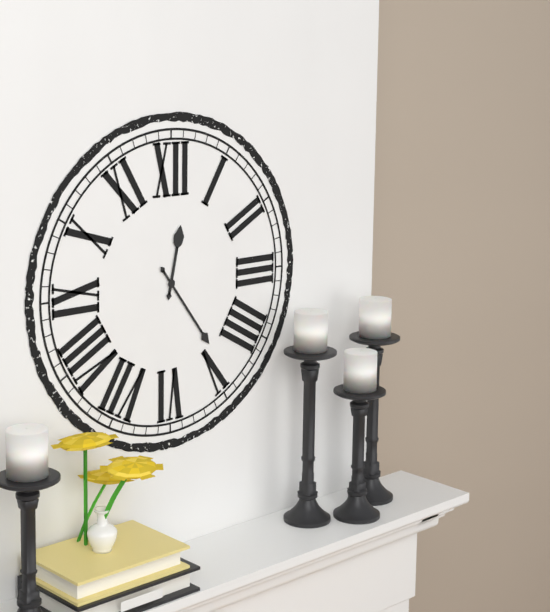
**12:24**
